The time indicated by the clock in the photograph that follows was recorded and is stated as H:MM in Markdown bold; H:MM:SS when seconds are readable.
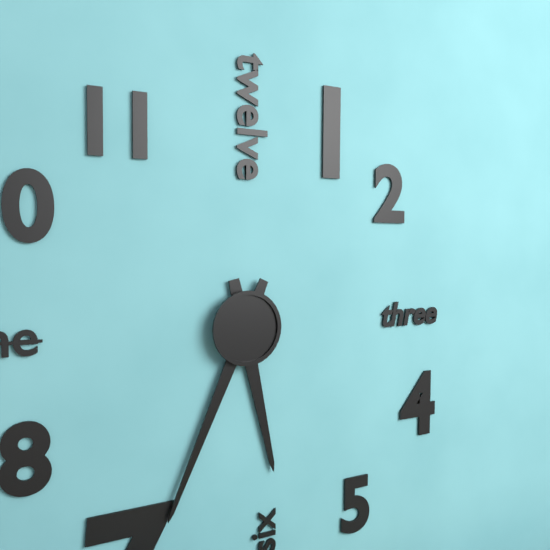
**5:34**
